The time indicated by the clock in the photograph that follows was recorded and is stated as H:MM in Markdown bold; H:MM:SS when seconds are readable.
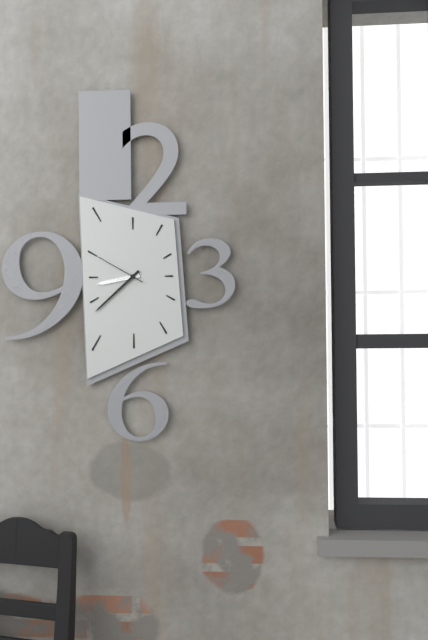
**8:38**
